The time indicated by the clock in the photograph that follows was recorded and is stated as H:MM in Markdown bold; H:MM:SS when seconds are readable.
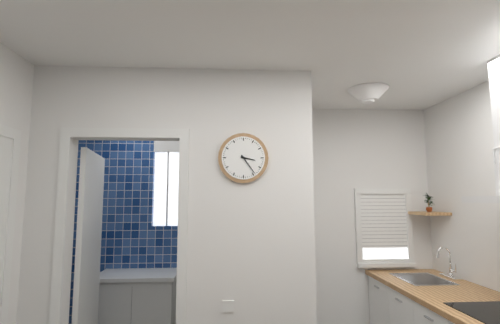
**3:24**
